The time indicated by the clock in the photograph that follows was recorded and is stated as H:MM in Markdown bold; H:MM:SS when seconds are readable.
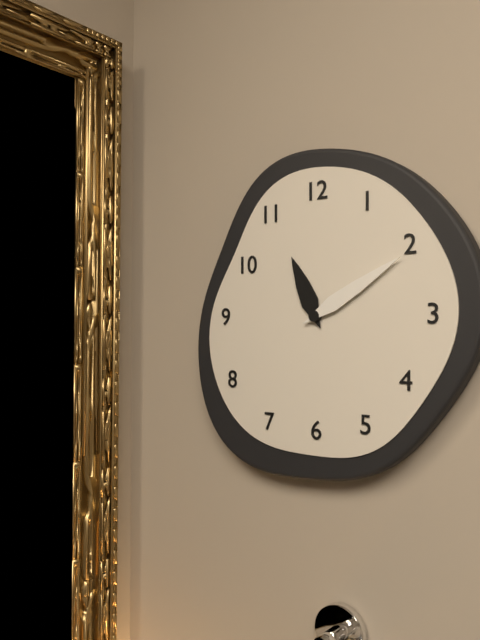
**11:10**
